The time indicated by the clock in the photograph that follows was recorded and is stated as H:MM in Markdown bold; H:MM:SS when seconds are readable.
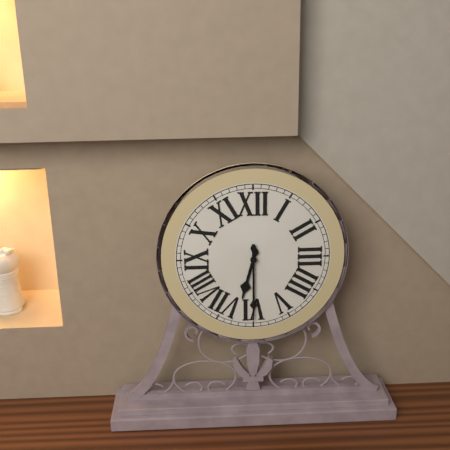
**6:30**
